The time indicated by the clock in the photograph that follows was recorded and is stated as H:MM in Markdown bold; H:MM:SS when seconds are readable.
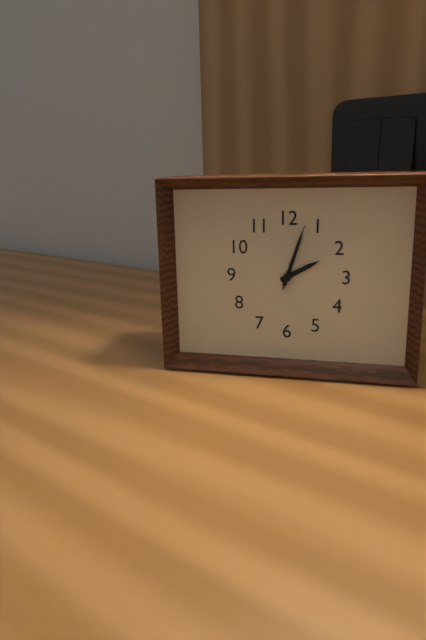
**2:03:03**
